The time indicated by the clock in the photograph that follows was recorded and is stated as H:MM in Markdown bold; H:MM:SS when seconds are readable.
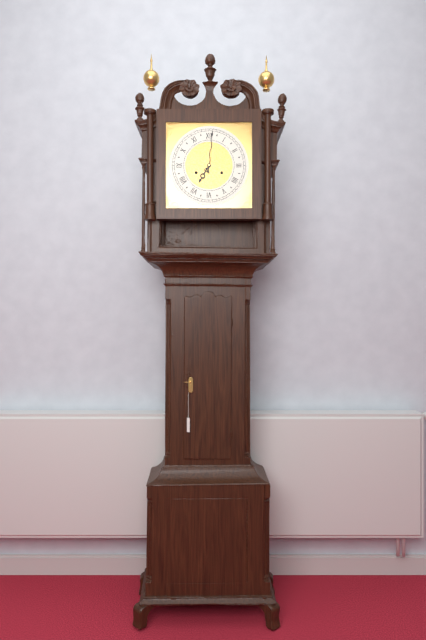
**7:01**
